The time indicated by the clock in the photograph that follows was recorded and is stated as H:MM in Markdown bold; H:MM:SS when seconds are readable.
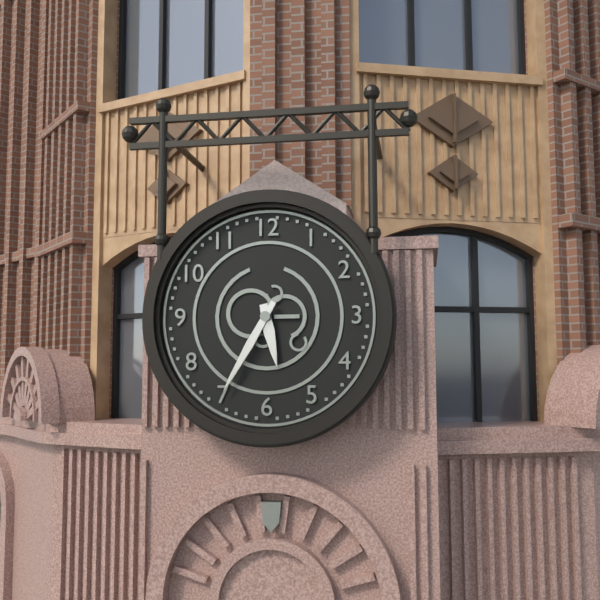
**5:35**
